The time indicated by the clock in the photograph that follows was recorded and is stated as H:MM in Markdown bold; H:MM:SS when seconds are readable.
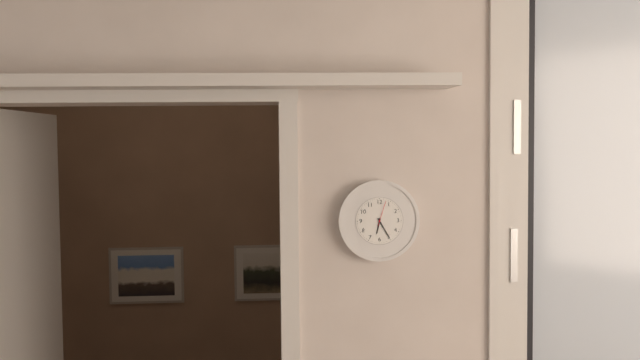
**6:25**
